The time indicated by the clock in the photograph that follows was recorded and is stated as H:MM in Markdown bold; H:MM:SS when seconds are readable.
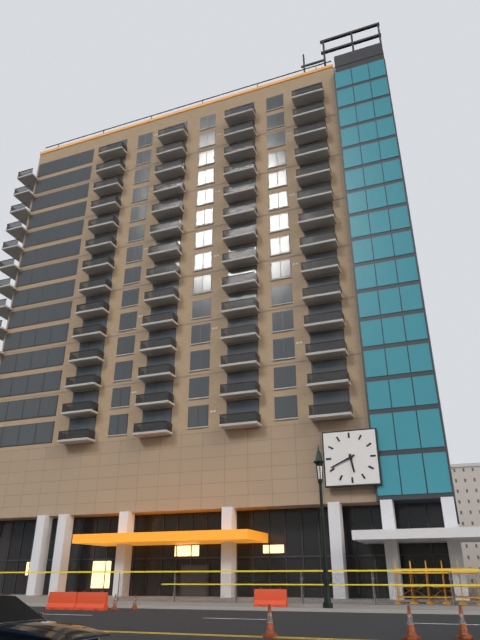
**5:41**
